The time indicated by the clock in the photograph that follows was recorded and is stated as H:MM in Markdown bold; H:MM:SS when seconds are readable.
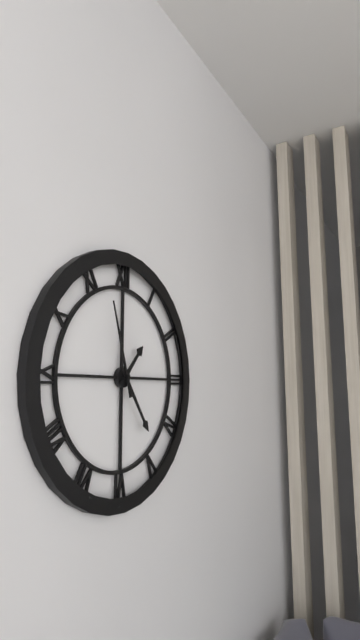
**1:24:57**
